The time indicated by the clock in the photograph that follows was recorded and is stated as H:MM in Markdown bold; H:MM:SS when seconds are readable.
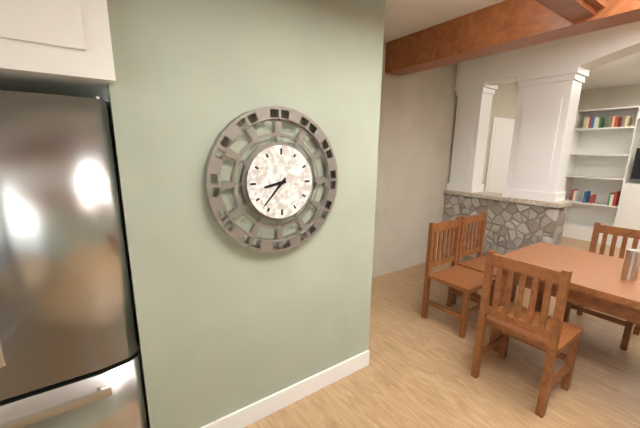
**8:37**
